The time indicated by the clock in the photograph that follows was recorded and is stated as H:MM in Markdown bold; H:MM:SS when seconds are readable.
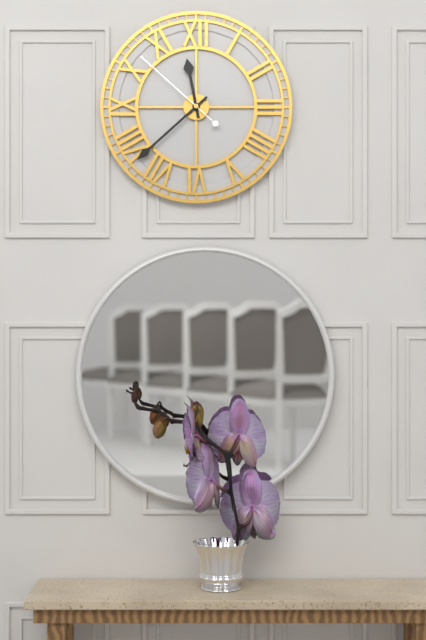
**11:38:52**
